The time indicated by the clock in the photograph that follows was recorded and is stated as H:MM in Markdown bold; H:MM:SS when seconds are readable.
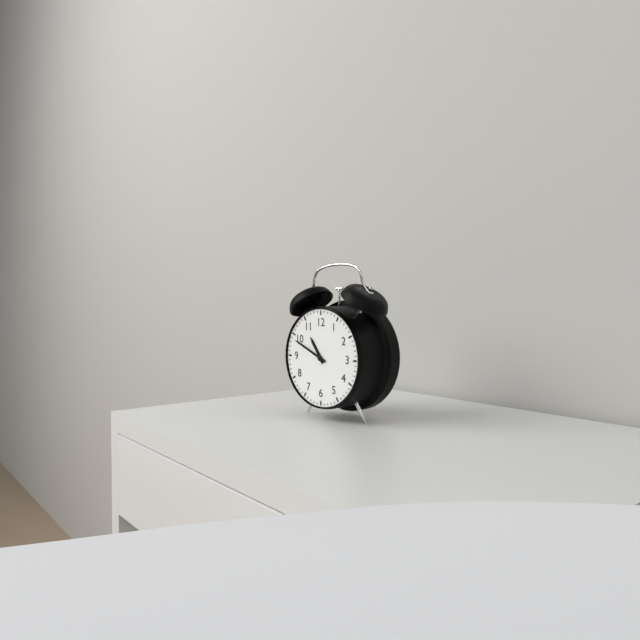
**10:49**
